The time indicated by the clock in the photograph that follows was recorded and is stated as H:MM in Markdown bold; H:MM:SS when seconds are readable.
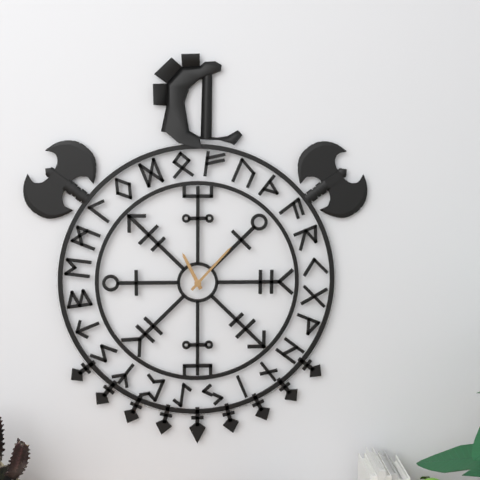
**11:07**
